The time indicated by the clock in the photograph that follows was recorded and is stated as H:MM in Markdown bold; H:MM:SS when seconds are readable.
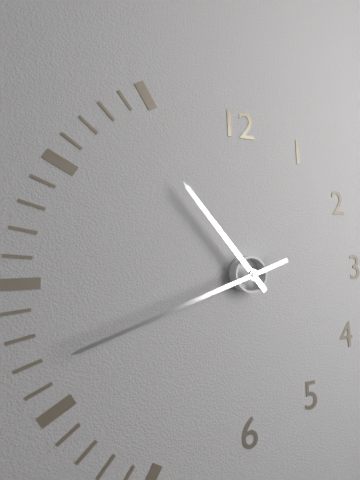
**10:42**
